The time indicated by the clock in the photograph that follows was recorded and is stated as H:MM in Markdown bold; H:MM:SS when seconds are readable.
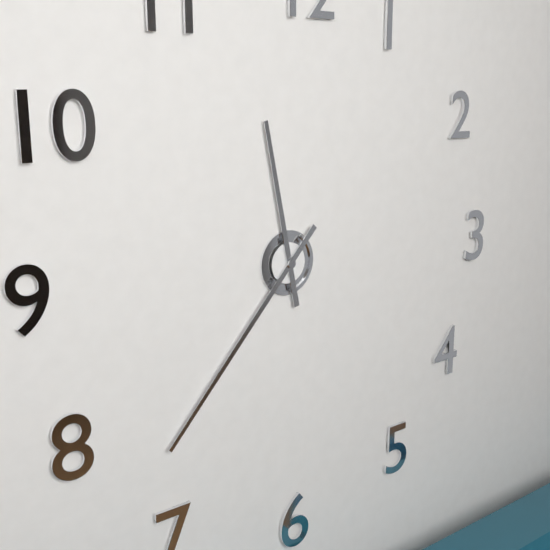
**11:37**
